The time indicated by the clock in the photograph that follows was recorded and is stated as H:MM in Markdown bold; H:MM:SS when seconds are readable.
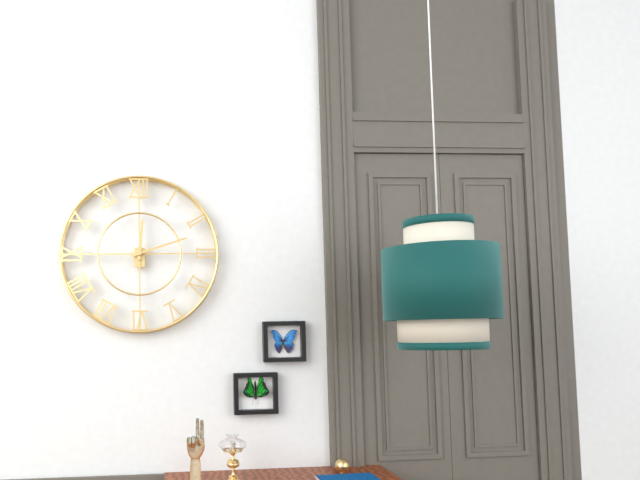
**12:12**
